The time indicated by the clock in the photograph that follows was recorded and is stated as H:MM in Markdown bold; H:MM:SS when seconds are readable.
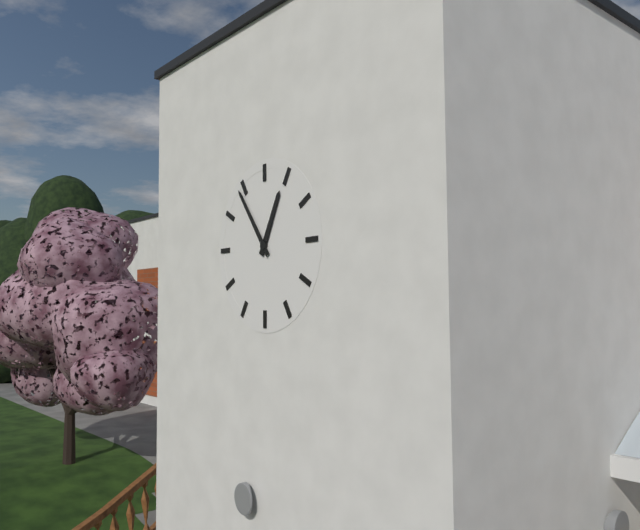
**12:54**
